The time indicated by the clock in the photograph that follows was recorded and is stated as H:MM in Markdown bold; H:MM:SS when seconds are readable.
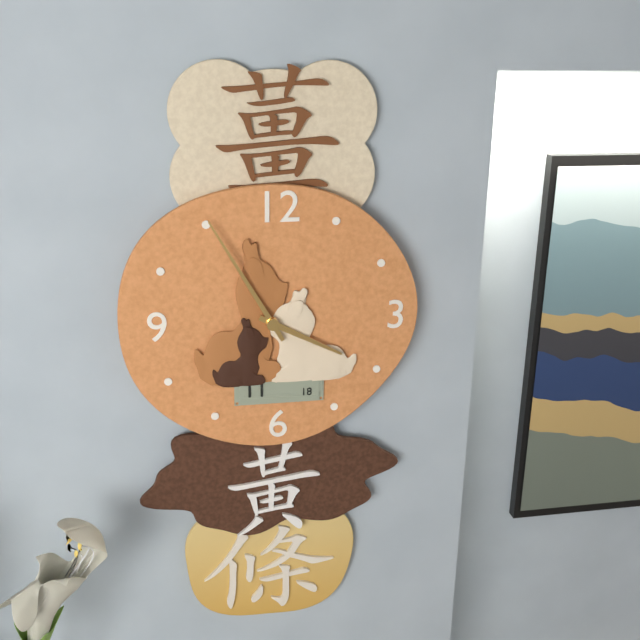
**3:55**
